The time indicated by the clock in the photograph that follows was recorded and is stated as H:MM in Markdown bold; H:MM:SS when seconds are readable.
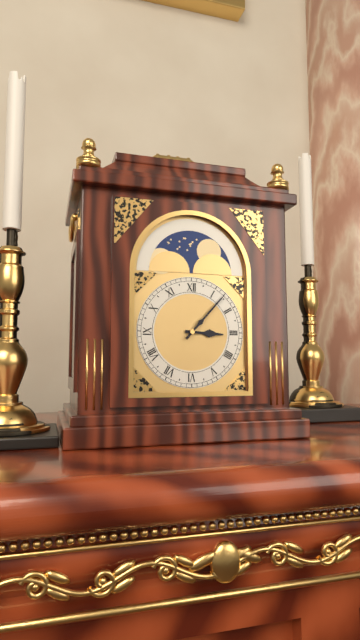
**3:07**
